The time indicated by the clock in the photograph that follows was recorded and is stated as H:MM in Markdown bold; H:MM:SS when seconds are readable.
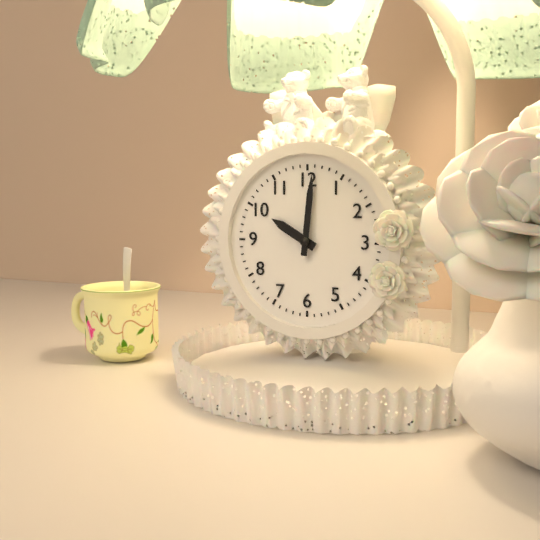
**10:01**
